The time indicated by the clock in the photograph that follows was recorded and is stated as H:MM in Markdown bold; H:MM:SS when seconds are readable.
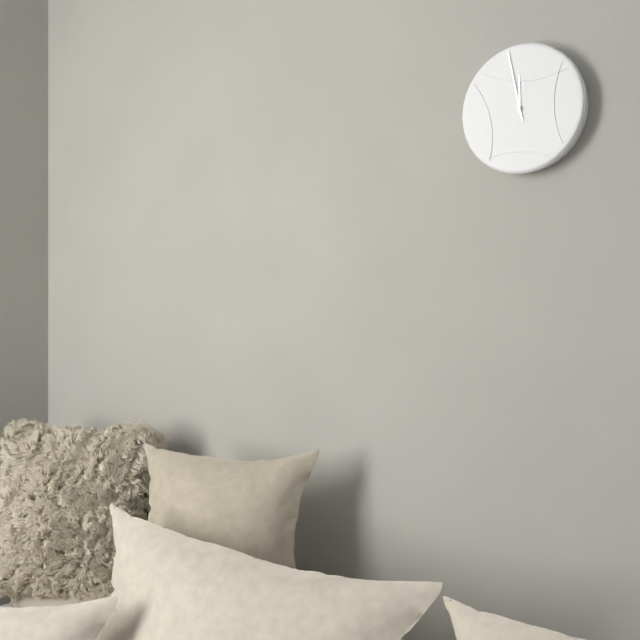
**11:58**
